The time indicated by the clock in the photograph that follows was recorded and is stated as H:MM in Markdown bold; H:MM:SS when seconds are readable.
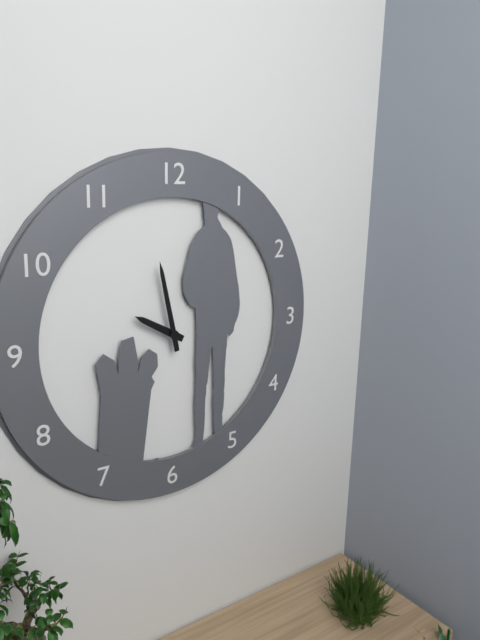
**9:58**
